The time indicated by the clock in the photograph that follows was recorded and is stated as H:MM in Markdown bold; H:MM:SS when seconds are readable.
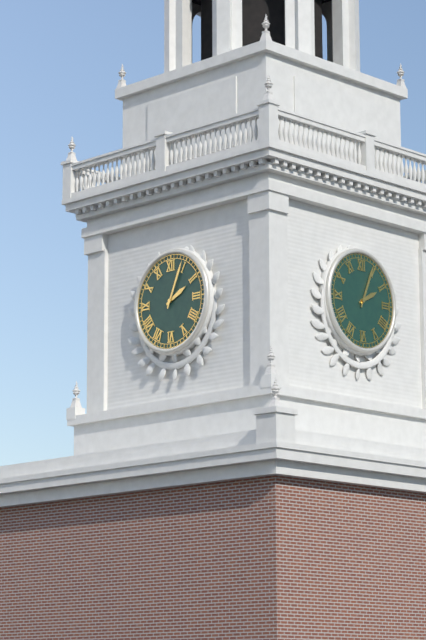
**2:04**
